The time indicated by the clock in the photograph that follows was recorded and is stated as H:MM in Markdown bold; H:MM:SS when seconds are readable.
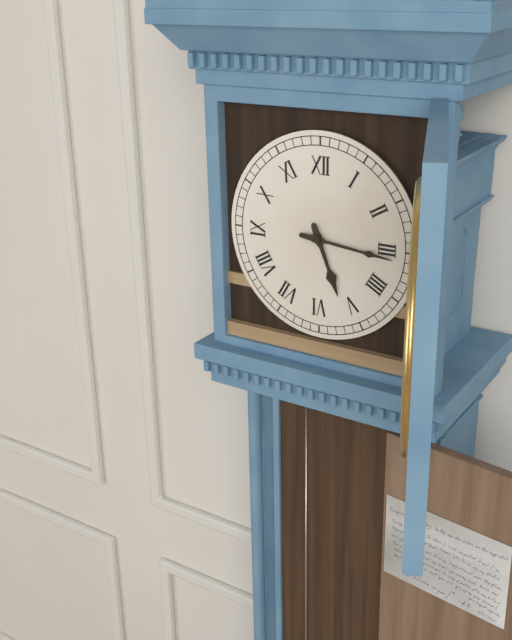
**5:16**
